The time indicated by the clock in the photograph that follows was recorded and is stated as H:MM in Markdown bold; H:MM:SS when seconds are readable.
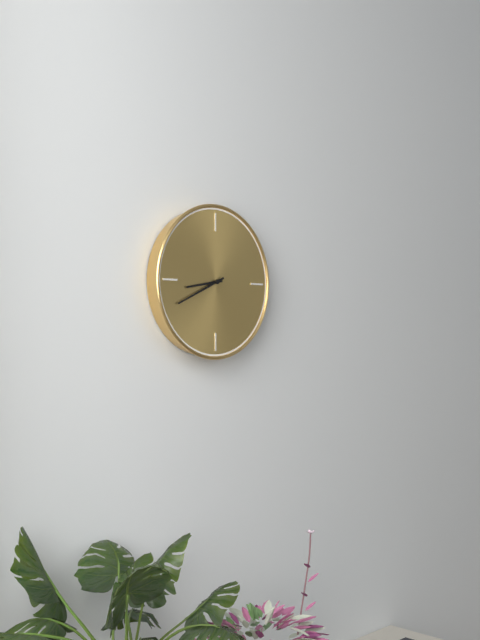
**8:41**
